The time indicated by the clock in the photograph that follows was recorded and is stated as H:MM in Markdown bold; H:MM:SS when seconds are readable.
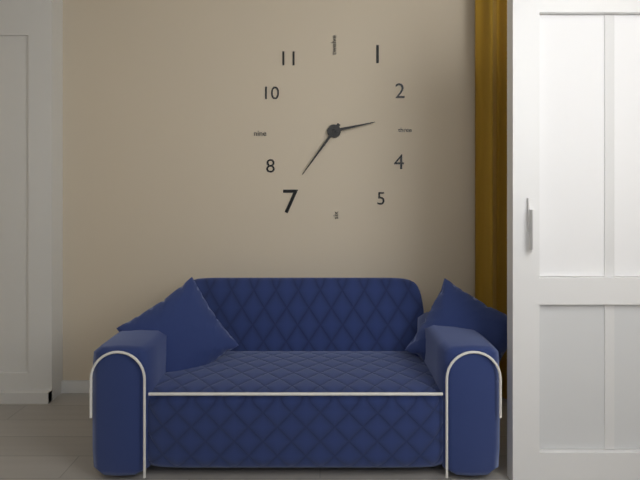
**2:36**
